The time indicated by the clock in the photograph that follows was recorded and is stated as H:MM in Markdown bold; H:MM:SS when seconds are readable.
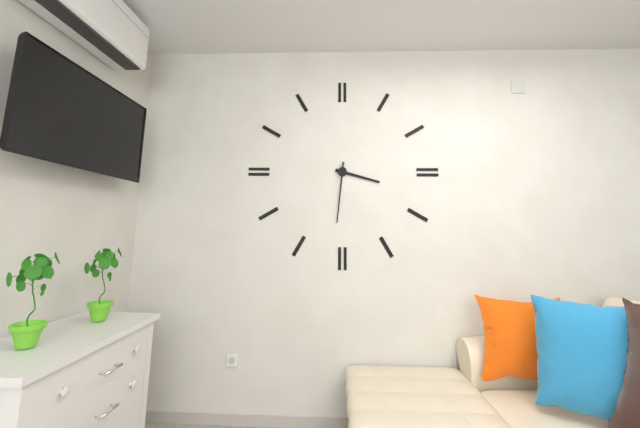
**3:31**
